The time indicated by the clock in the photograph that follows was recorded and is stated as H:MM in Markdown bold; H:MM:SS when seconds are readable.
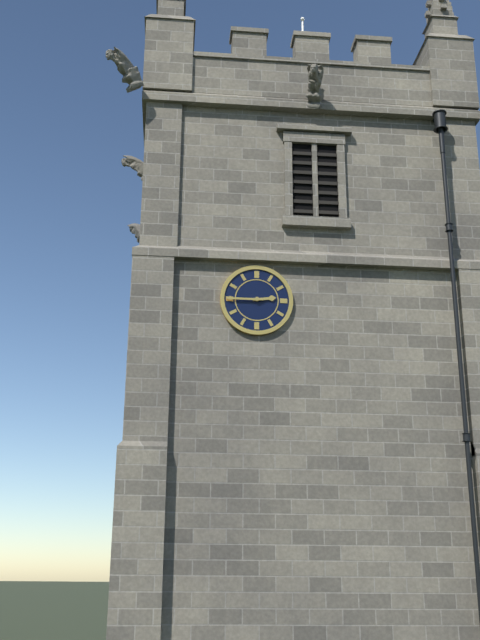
**2:45**
